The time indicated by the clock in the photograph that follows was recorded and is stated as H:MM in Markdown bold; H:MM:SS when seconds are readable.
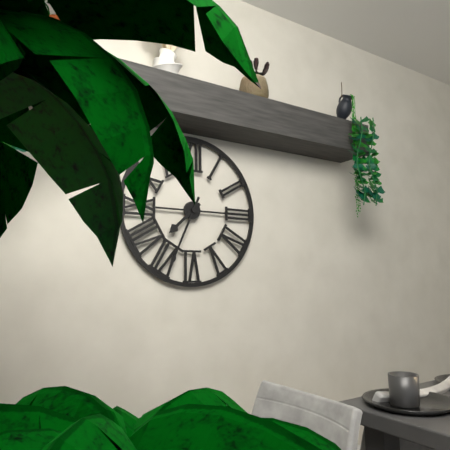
**7:34**
